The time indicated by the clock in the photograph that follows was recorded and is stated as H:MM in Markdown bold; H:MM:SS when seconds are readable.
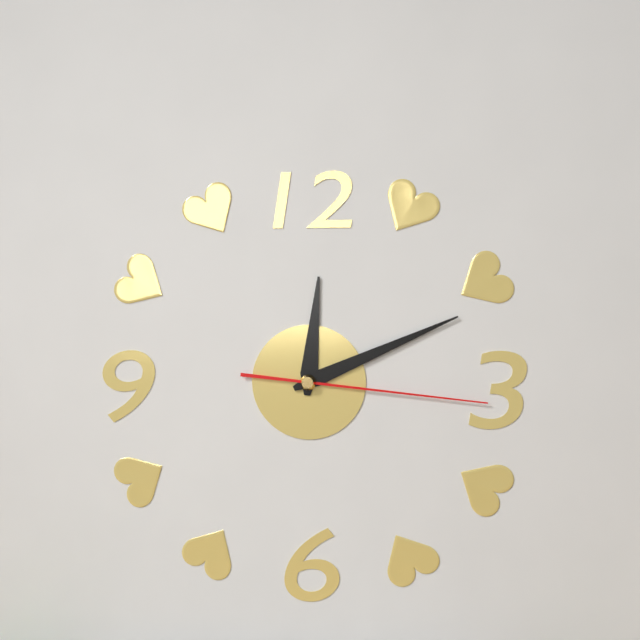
**12:11:16**
